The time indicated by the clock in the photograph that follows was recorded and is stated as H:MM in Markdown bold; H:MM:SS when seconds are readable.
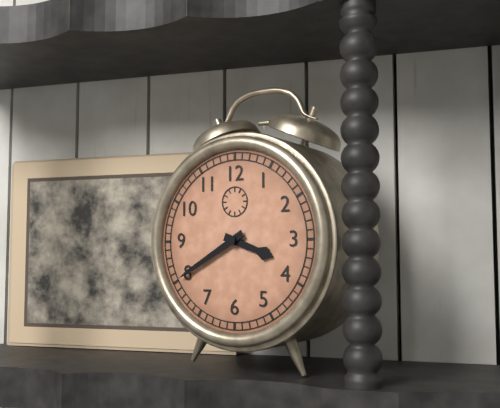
**3:40**
